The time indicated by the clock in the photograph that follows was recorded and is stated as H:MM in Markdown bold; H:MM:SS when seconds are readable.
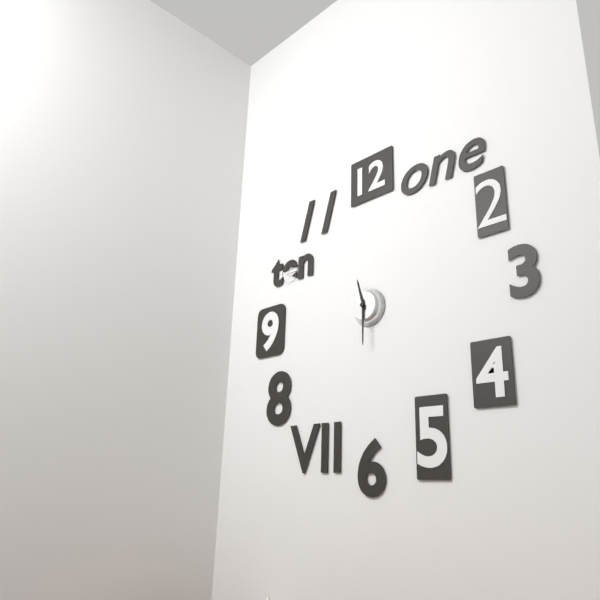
**11:30**
